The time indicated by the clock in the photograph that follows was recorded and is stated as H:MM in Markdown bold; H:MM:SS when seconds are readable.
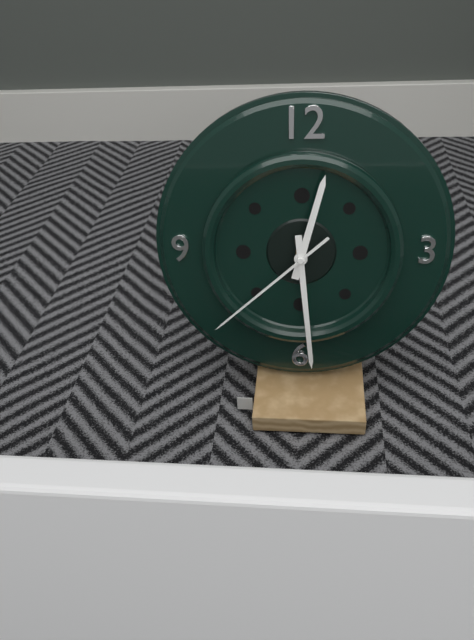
**12:29:38**
